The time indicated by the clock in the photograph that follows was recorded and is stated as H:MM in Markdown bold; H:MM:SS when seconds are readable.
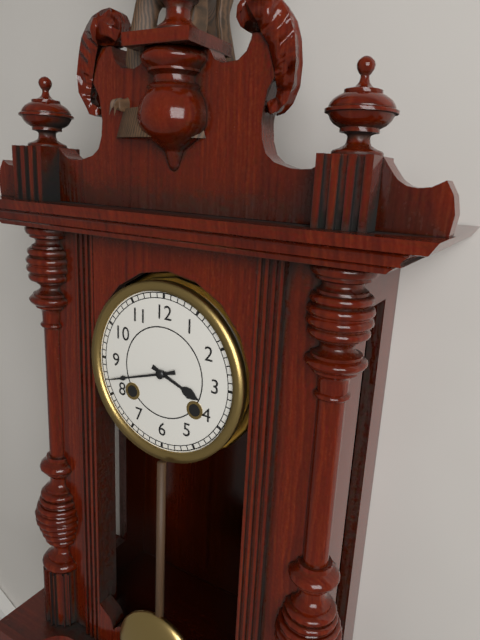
**3:42**
